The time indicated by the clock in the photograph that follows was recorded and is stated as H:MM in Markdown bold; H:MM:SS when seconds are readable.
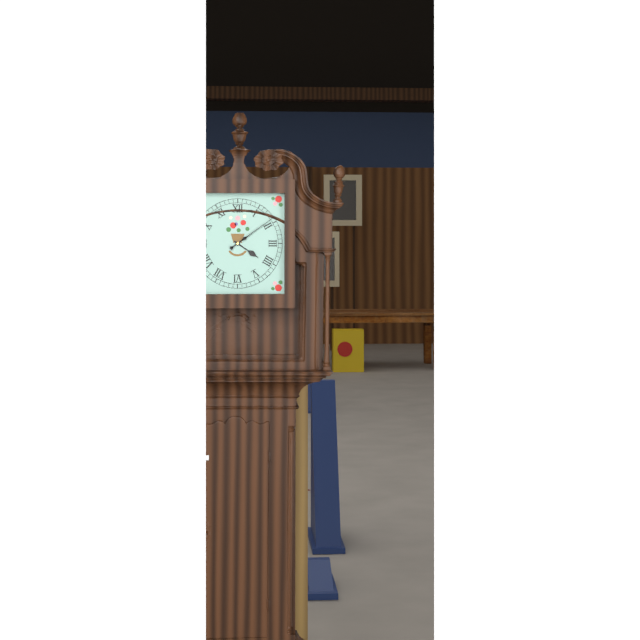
**4:09**
